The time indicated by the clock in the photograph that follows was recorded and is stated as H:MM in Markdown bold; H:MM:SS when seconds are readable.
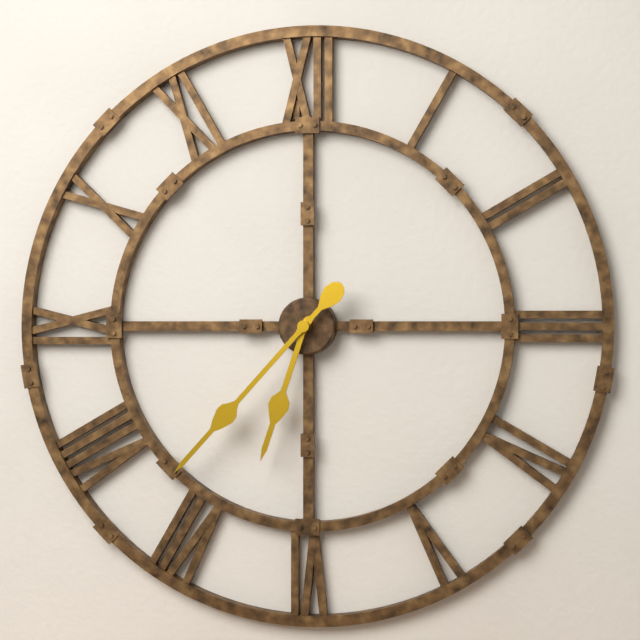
**6:37**
